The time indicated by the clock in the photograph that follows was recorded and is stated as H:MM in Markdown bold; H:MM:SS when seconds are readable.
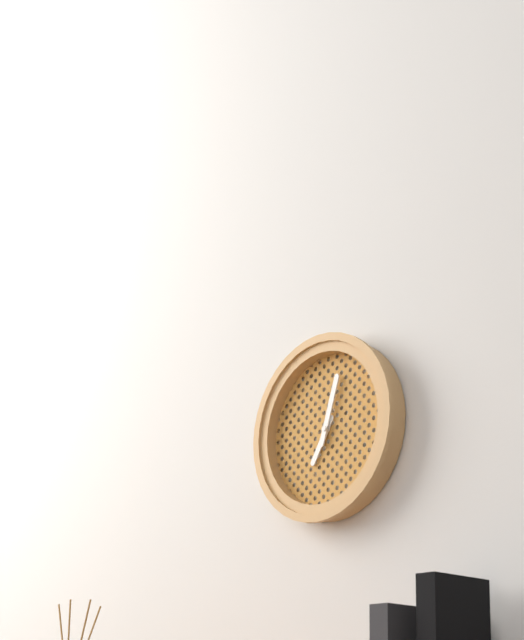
**7:03**
